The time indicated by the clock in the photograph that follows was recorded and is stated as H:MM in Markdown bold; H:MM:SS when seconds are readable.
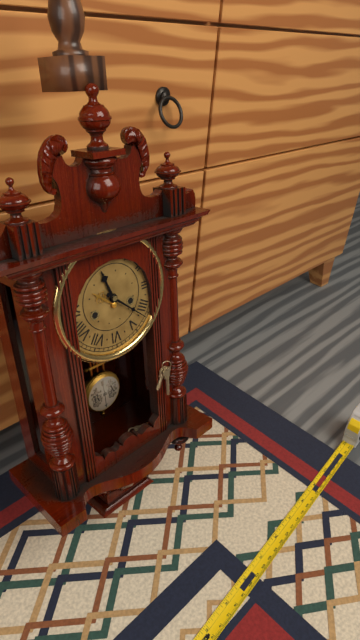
**11:22**
